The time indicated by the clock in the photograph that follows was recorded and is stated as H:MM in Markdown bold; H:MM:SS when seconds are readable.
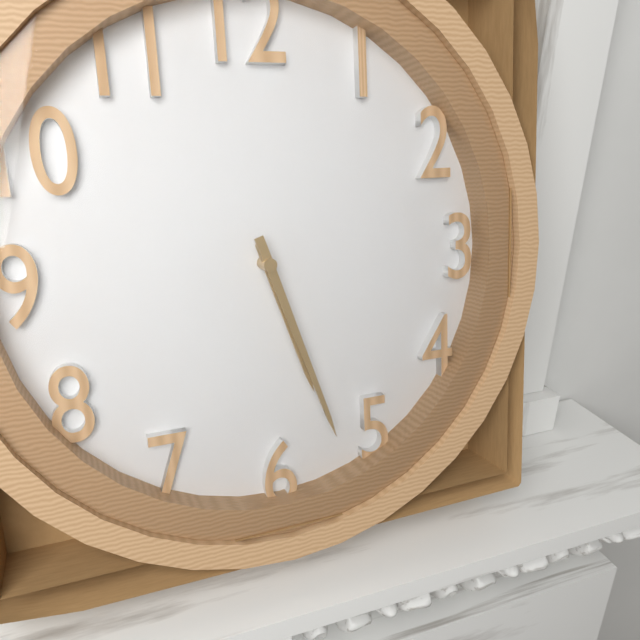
**5:27**
